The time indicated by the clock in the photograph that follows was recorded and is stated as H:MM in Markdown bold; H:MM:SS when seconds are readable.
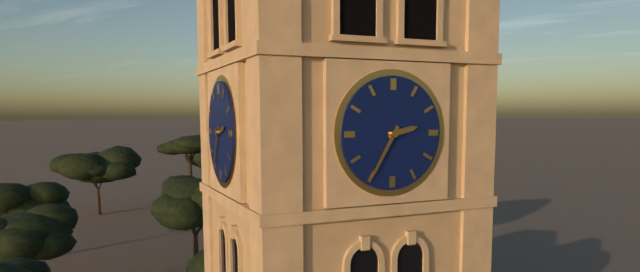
**2:35**
